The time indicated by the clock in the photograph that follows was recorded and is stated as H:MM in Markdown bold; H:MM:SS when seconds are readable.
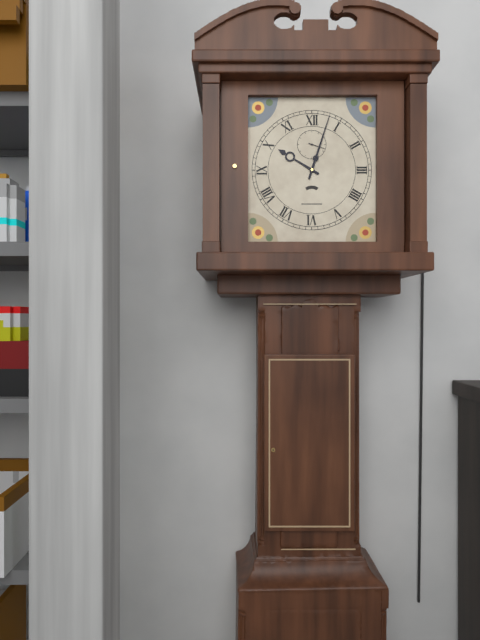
**10:03**
